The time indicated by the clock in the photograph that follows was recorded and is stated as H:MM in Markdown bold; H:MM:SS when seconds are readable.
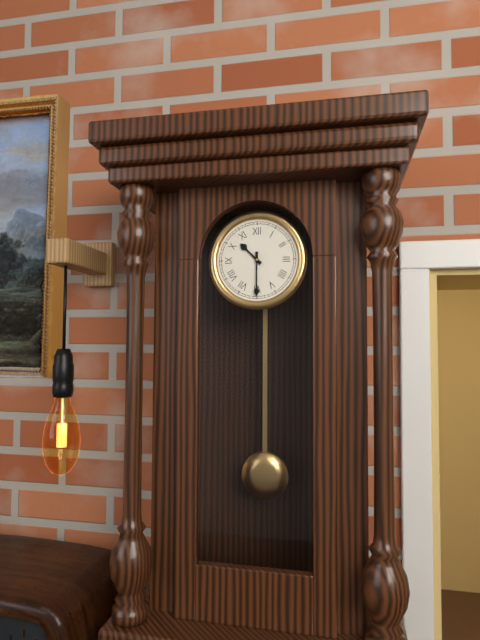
**10:30**
